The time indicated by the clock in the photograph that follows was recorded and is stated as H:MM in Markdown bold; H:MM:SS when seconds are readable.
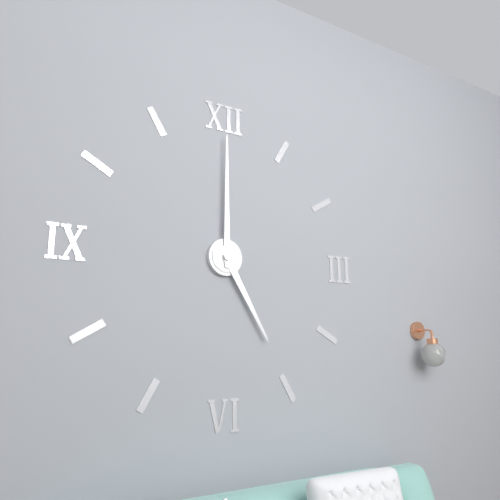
**5:00**
